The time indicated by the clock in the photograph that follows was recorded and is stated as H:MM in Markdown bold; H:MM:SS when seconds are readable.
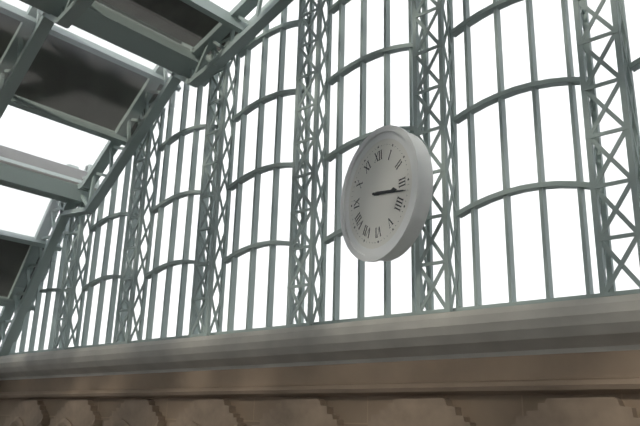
**3:17**
